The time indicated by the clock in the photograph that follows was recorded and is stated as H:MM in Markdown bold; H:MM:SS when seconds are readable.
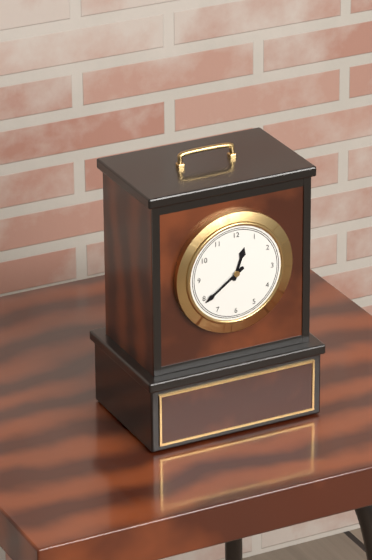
**12:39**
